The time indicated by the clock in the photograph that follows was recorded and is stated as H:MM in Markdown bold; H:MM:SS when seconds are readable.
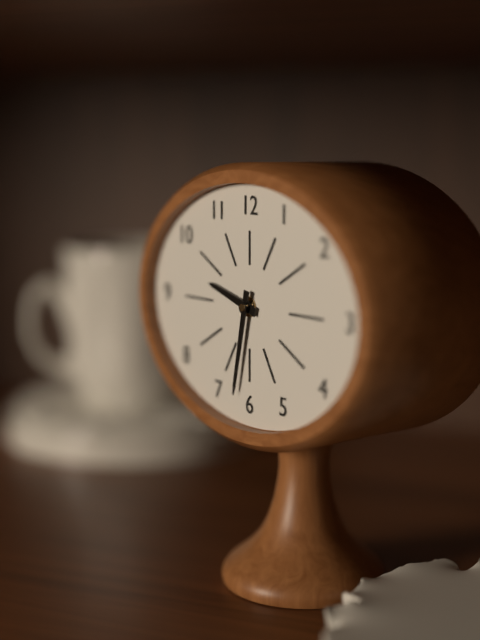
**9:32**
